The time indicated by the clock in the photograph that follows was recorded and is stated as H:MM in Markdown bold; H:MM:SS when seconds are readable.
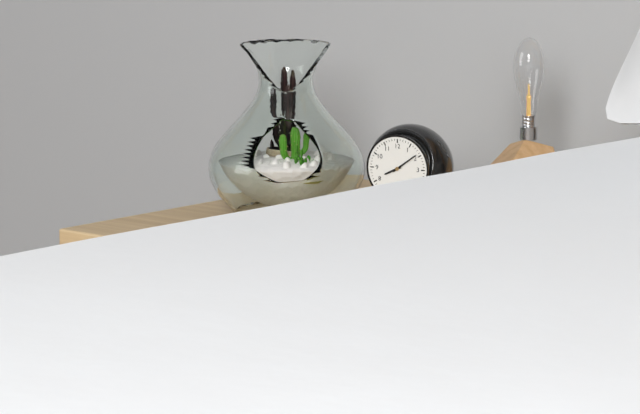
**8:09**
